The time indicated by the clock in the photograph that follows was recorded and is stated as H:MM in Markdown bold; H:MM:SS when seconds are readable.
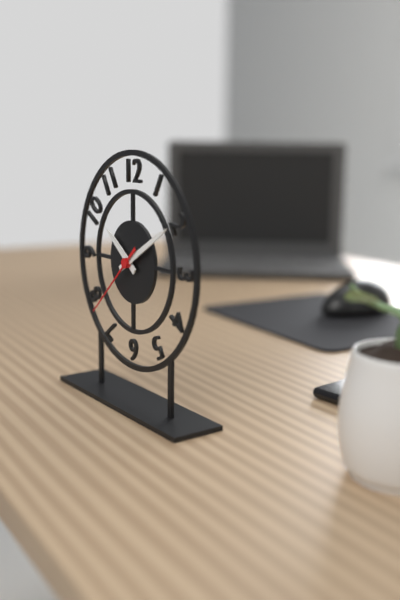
**10:10:38**
